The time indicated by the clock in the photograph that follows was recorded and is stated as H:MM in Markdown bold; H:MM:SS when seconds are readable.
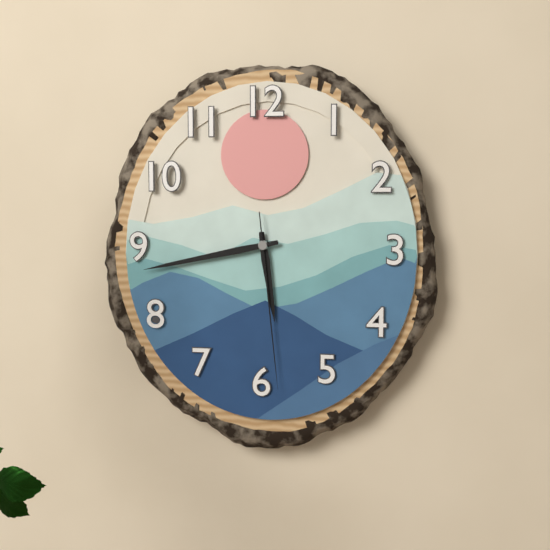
**5:43:29**
